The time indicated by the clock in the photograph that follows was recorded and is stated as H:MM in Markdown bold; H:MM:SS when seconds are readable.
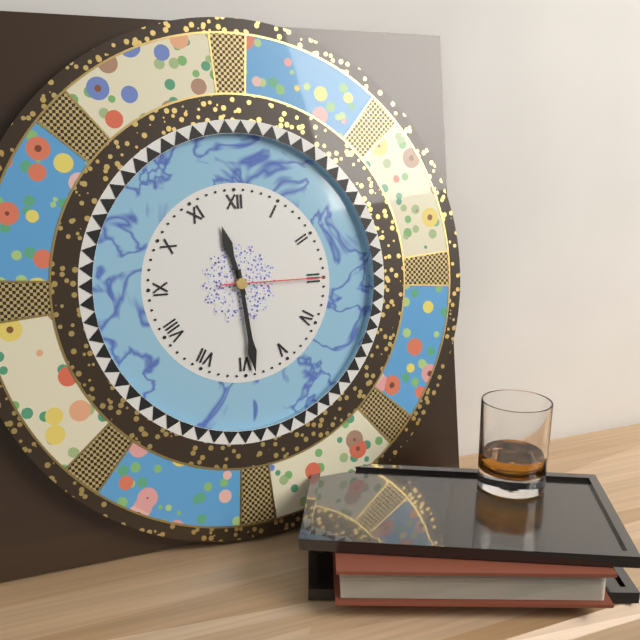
**11:29:15**
